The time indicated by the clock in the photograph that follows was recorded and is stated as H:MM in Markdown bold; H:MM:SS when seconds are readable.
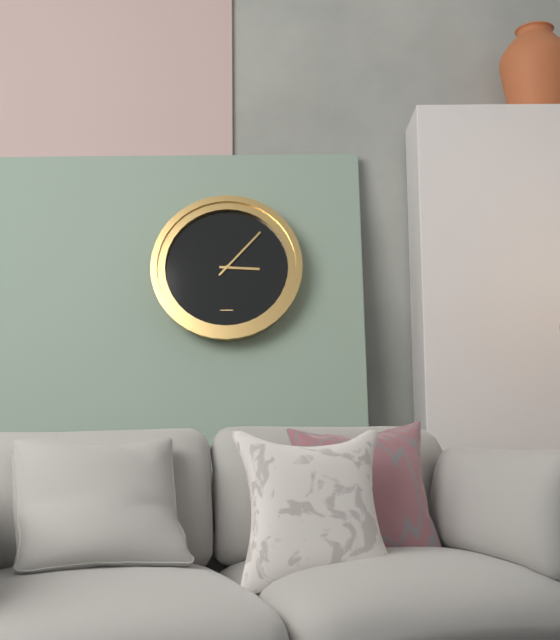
**3:07**
